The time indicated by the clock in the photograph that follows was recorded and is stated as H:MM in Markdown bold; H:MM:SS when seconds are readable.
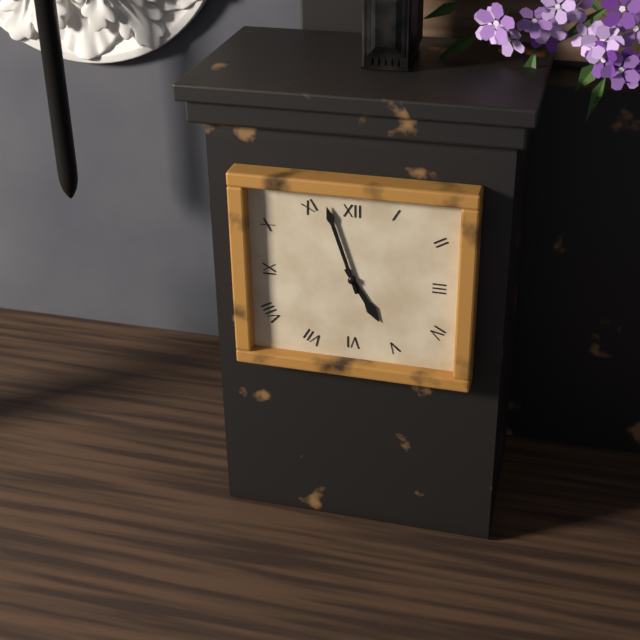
**4:57**
